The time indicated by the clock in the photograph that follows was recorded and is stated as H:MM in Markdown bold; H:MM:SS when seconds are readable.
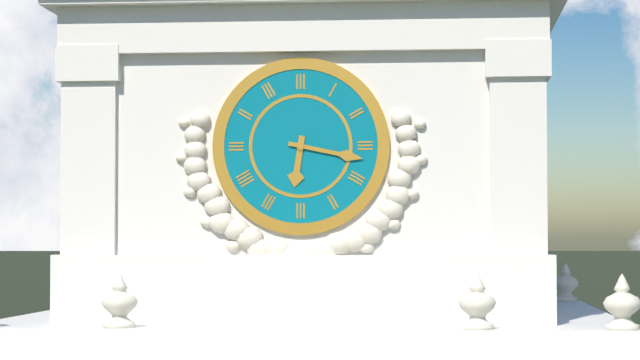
**6:17**
